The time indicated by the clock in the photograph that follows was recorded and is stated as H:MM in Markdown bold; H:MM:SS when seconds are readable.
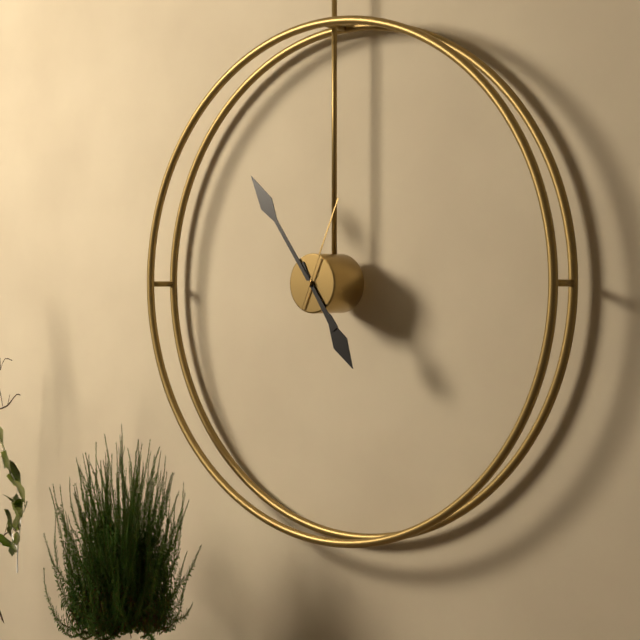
**4:54:04**
